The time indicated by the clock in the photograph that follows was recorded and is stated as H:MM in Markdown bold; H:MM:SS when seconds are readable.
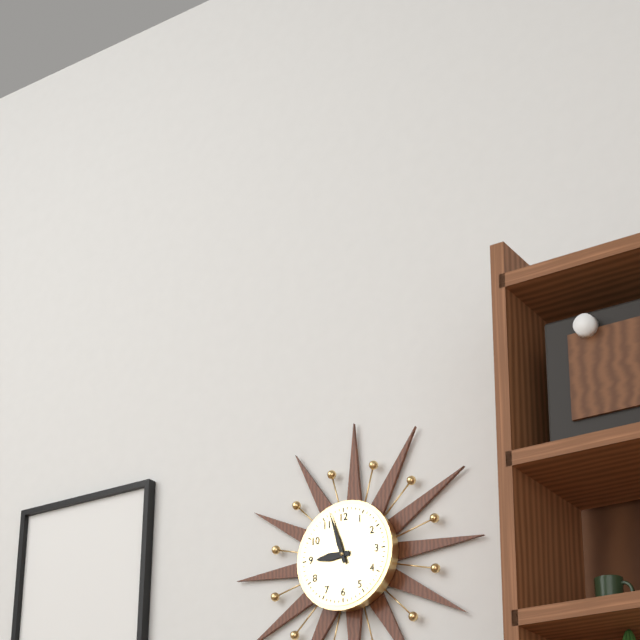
**8:57**
